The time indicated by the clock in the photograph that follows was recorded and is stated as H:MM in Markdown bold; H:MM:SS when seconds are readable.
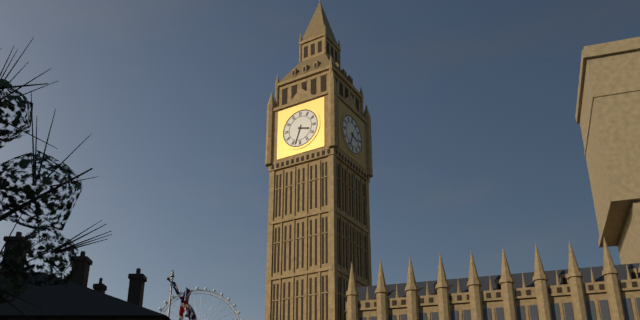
**3:33**
